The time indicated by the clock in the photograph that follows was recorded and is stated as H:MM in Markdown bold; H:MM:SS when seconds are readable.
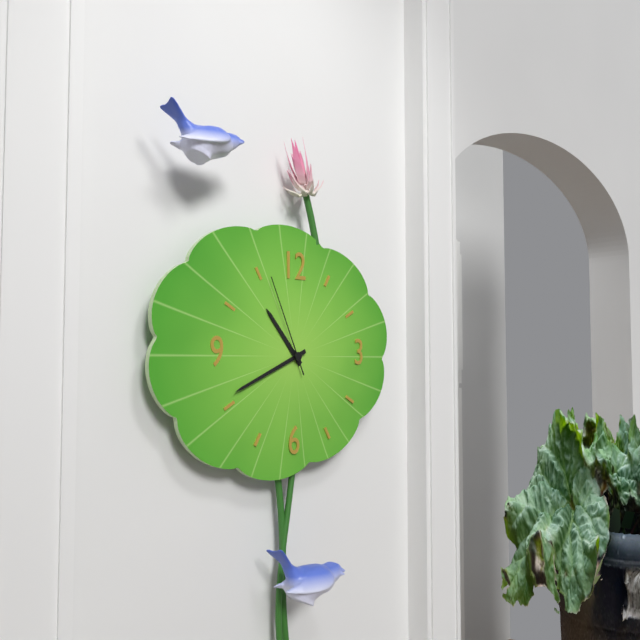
**10:41:56**
